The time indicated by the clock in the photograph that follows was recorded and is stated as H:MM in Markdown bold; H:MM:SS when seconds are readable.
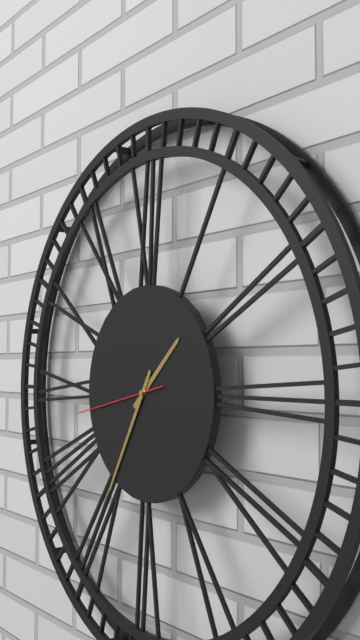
**1:35:43**
